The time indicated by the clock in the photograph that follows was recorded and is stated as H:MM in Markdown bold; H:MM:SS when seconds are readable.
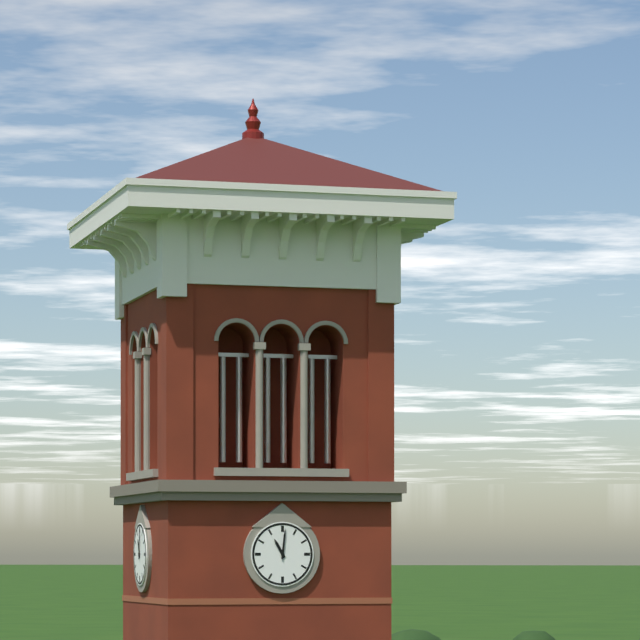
**11:01**
